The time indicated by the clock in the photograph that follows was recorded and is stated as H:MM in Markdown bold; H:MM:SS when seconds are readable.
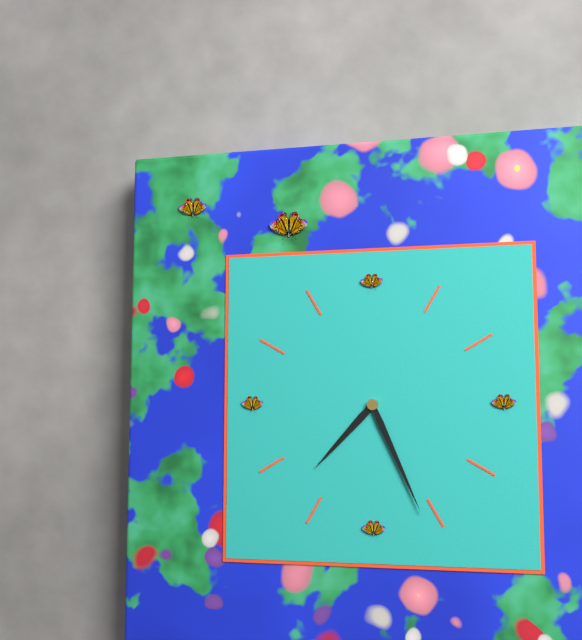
**7:26**
